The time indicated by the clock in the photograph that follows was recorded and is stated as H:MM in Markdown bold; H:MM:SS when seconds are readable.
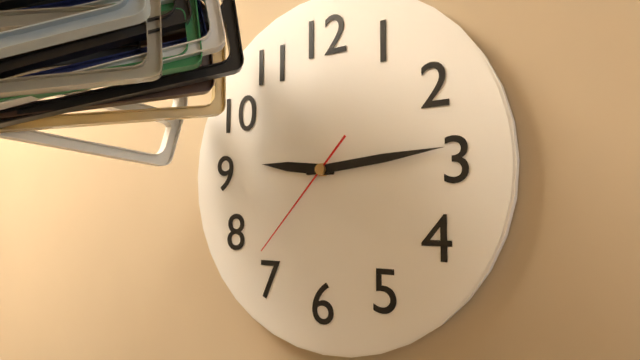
**9:14:37**
